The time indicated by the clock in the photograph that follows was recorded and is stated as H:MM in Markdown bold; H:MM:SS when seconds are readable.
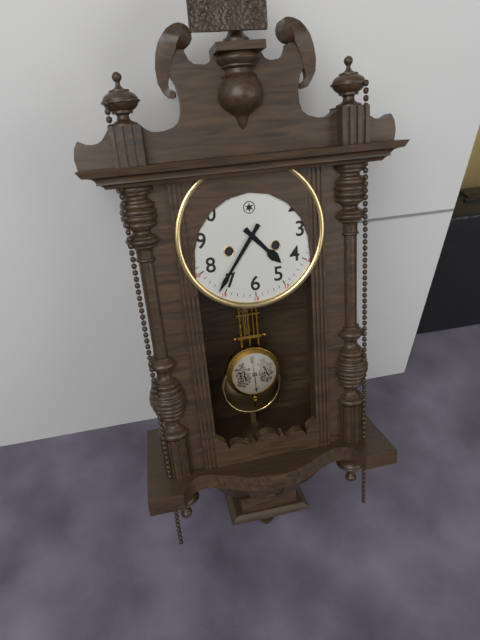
**4:36**
